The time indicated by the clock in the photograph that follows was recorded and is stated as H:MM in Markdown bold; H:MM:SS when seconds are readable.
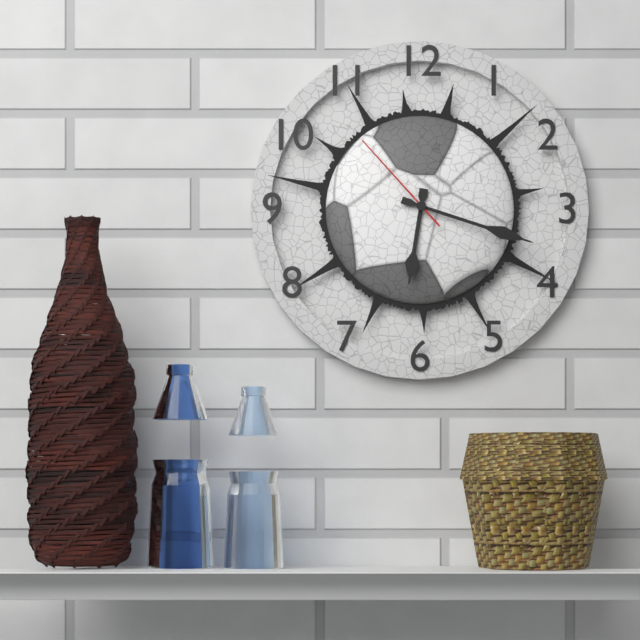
**6:18:53**
